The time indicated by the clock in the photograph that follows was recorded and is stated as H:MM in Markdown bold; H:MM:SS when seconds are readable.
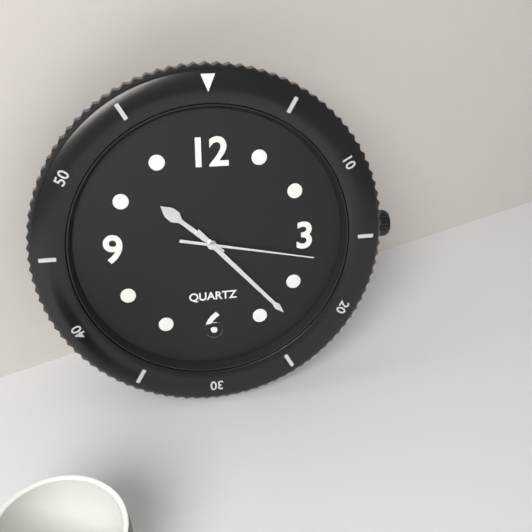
**10:23:17**
